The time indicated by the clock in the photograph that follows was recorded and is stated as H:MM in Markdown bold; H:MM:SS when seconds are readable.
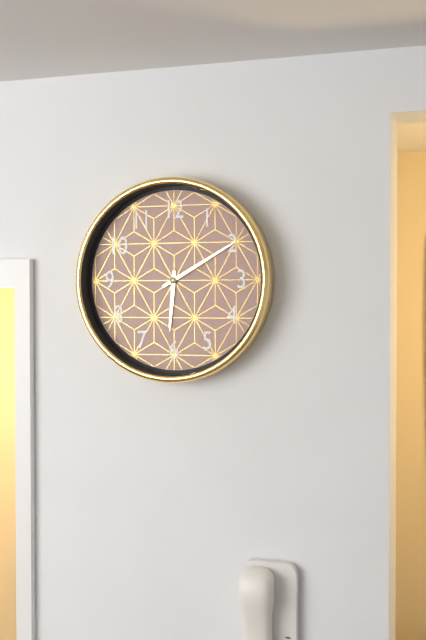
**6:10**
